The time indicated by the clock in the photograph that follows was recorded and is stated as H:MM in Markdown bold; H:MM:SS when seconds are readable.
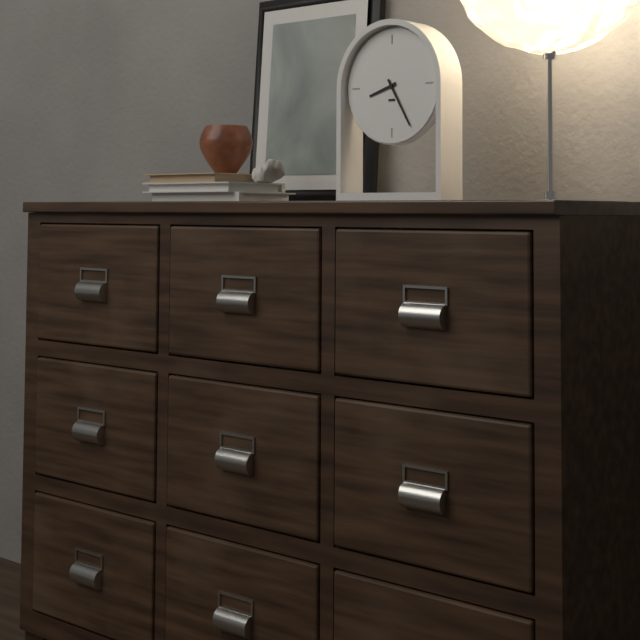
**8:25**
